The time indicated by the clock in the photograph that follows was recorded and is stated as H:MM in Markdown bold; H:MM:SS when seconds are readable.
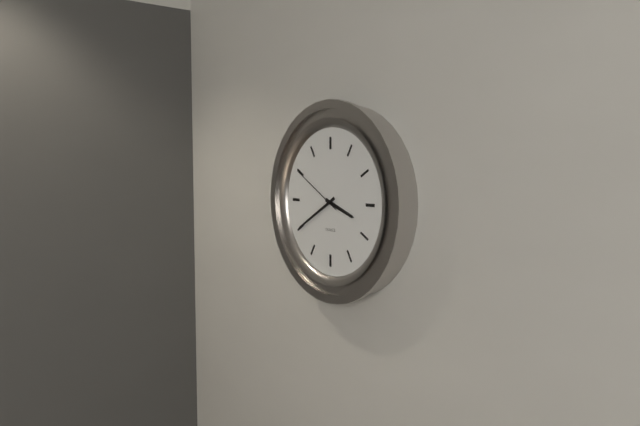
**3:40:50**
